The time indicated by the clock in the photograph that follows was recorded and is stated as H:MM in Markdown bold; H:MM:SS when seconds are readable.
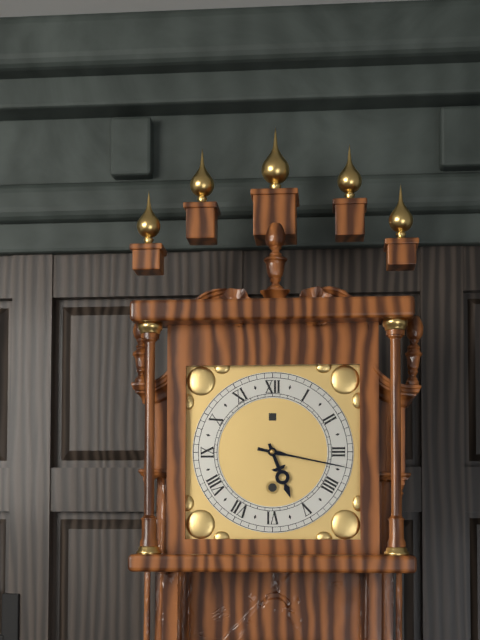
**5:17**
